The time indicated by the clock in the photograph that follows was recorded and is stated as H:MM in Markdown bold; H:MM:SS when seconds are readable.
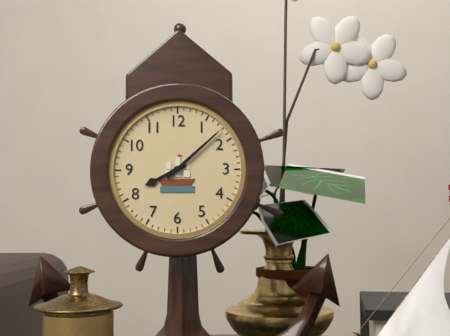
**8:08**
